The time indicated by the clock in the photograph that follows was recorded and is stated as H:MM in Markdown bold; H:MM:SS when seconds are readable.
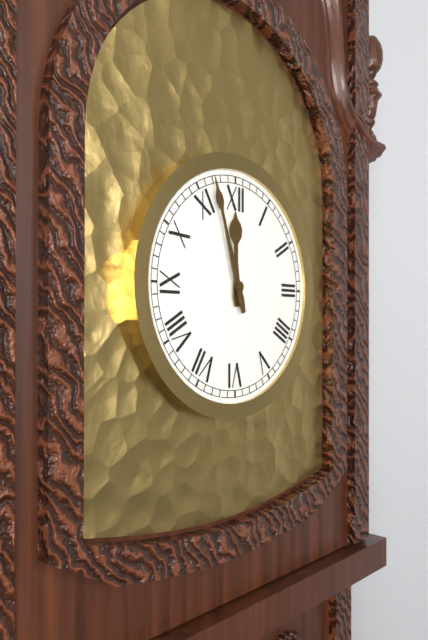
**11:57**
